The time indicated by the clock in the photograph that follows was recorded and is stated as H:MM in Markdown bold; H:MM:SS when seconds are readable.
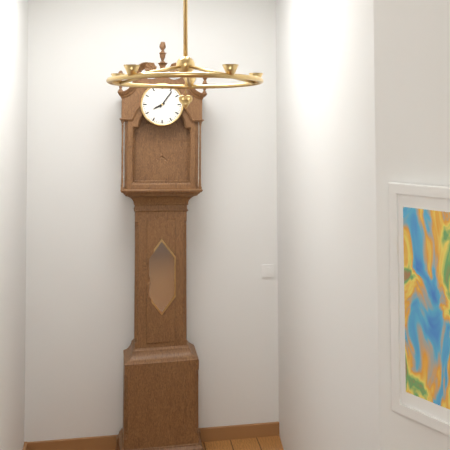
**8:06**
